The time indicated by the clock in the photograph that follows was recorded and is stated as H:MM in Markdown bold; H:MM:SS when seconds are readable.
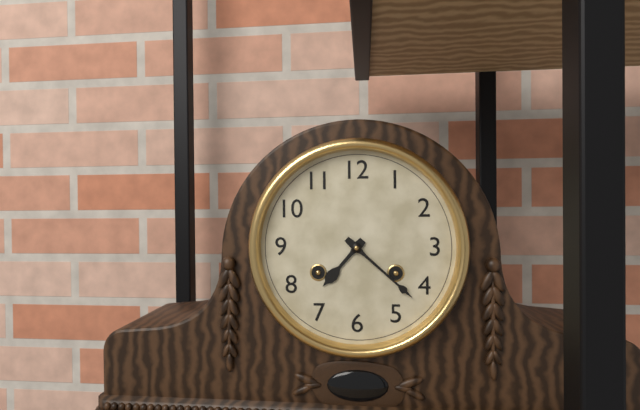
**7:22**
